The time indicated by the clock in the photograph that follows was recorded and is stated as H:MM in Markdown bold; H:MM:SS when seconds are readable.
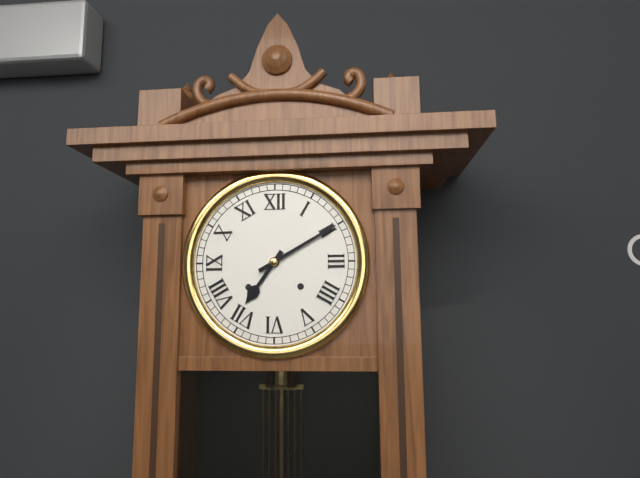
**7:10**
